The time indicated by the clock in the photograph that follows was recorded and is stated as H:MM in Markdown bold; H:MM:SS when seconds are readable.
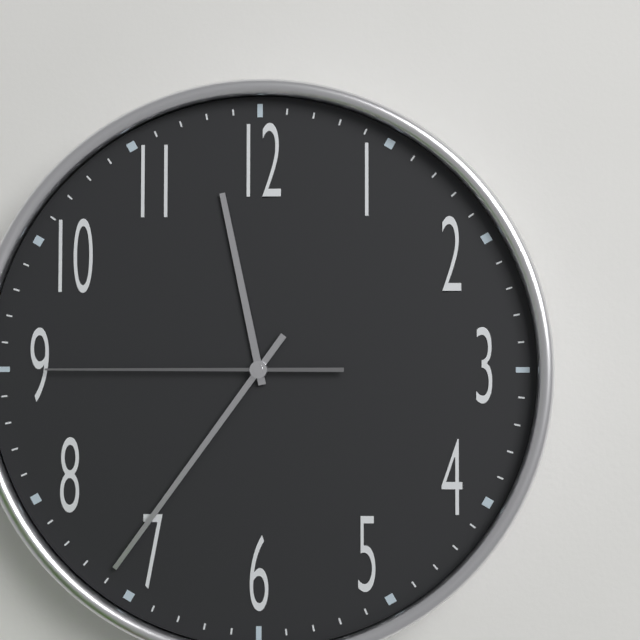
**11:36:45**
